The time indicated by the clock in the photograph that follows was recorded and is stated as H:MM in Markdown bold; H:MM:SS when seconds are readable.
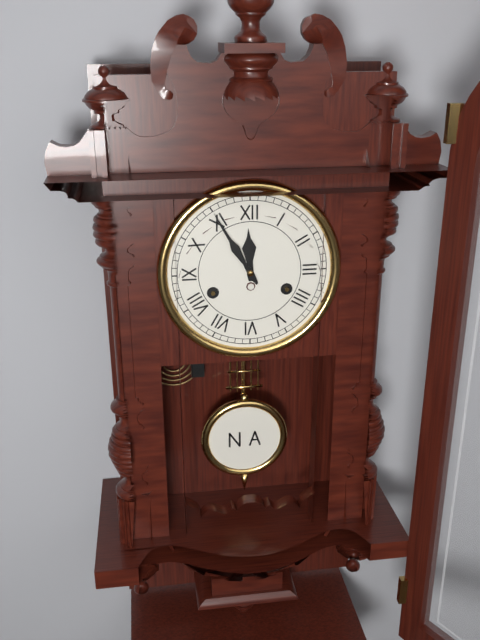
**11:55**
